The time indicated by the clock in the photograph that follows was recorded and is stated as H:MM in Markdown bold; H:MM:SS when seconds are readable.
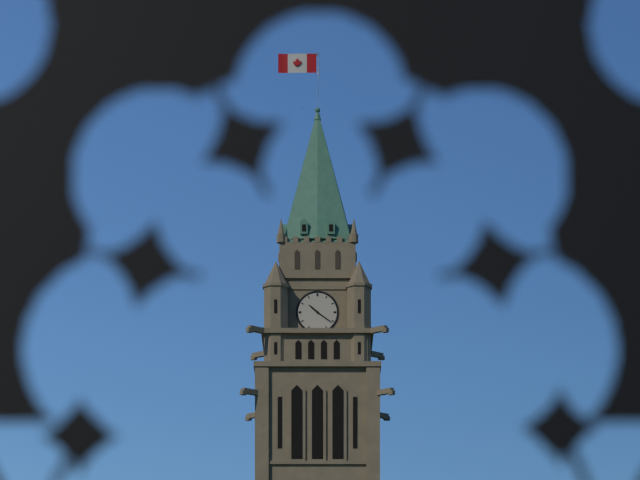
**10:21**
